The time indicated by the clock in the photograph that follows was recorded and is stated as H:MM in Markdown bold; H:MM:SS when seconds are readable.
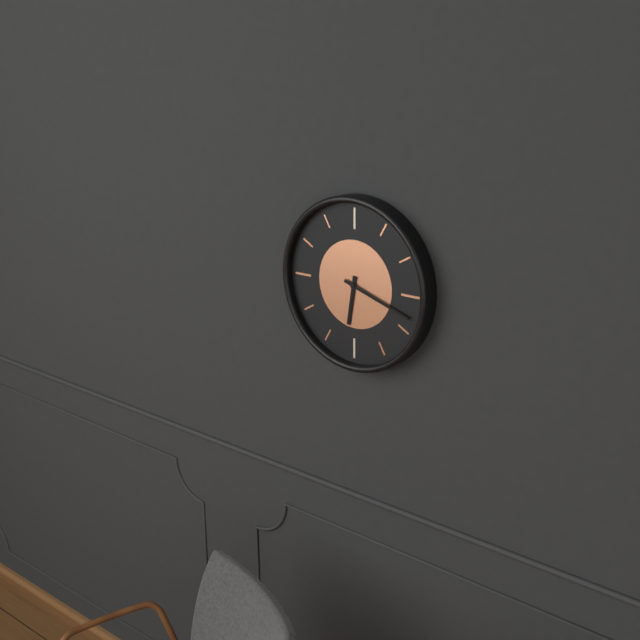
**6:18**
